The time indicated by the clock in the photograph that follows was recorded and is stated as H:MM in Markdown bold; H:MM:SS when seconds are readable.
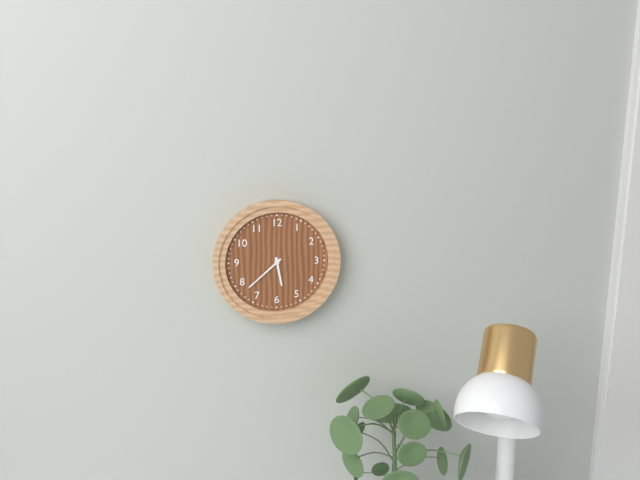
**5:38**
